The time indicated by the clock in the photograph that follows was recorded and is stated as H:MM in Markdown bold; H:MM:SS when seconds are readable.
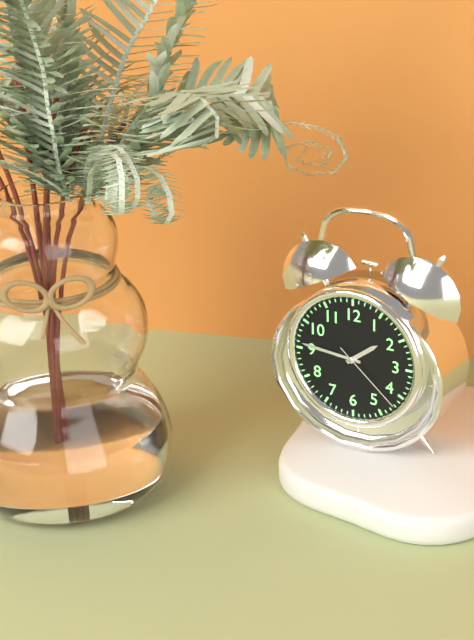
**1:46:22**
